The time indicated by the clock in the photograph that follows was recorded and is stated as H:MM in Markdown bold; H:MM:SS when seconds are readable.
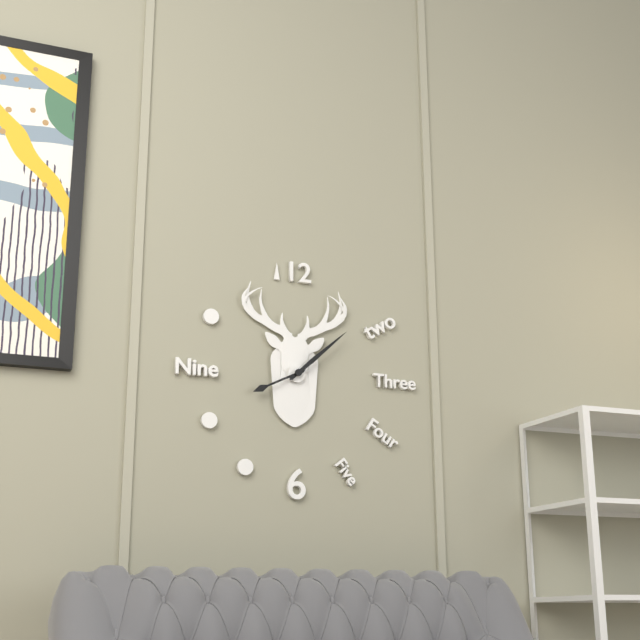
**8:08**
